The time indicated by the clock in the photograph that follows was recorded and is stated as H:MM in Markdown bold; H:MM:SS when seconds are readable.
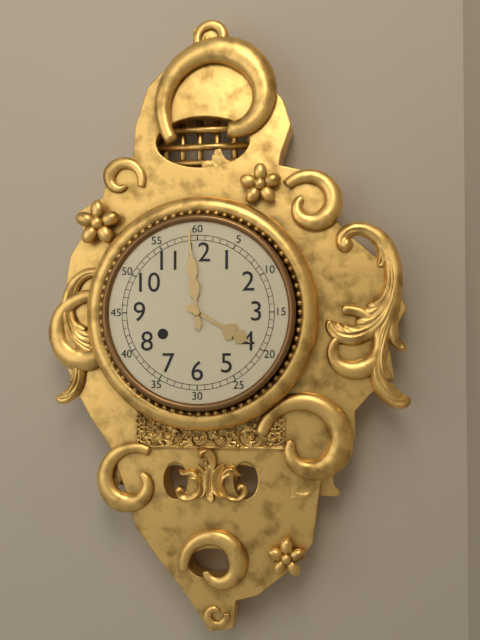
**3:59**
